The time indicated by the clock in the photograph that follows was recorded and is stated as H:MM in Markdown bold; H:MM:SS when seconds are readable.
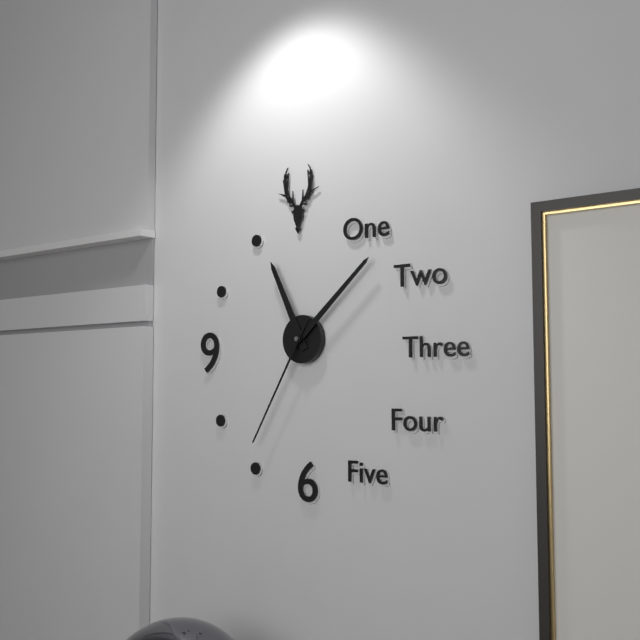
**11:08:35**
